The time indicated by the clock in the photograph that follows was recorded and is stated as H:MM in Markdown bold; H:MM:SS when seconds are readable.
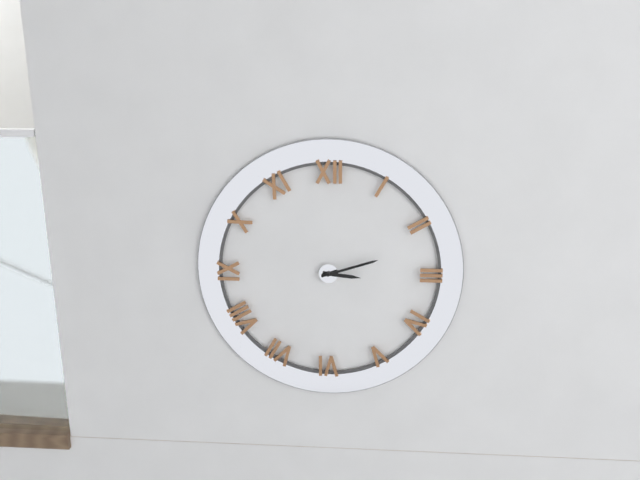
**3:12**
